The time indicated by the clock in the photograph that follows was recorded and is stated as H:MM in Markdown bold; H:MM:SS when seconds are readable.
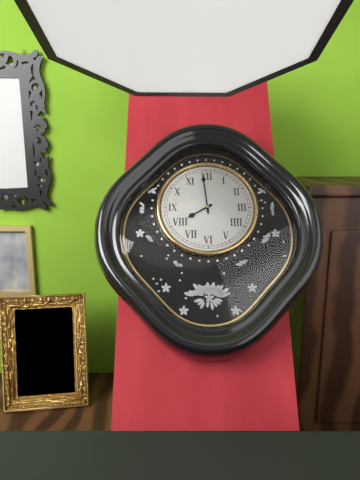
**7:59**
